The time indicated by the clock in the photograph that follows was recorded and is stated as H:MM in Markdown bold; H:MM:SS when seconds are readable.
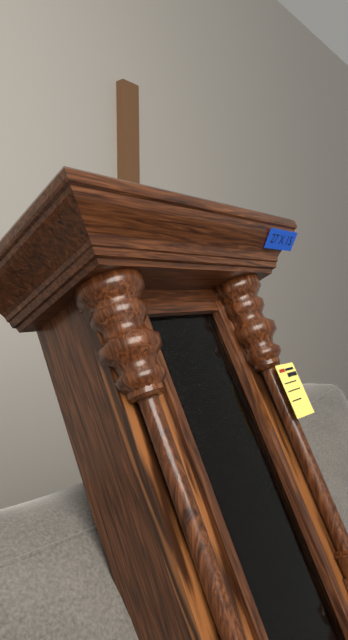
**11:51**
